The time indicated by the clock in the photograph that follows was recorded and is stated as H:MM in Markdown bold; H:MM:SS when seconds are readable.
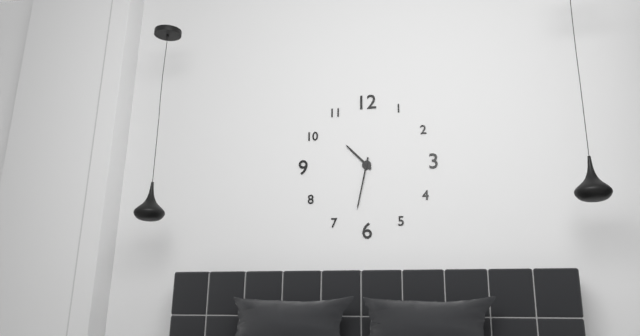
**10:32**
